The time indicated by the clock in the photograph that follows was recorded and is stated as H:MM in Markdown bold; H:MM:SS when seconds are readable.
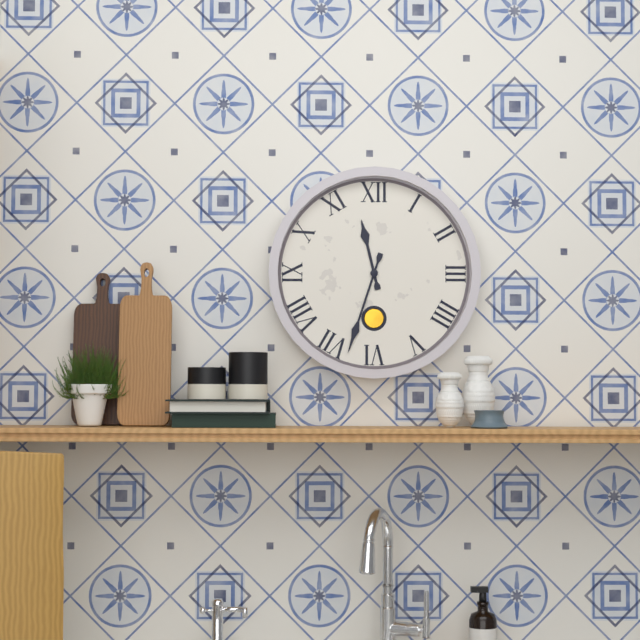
**11:33**
